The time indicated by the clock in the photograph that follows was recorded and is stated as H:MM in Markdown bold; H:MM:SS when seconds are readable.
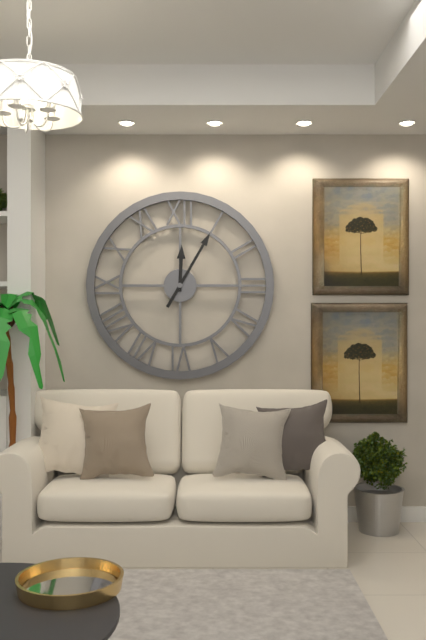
**12:05**
